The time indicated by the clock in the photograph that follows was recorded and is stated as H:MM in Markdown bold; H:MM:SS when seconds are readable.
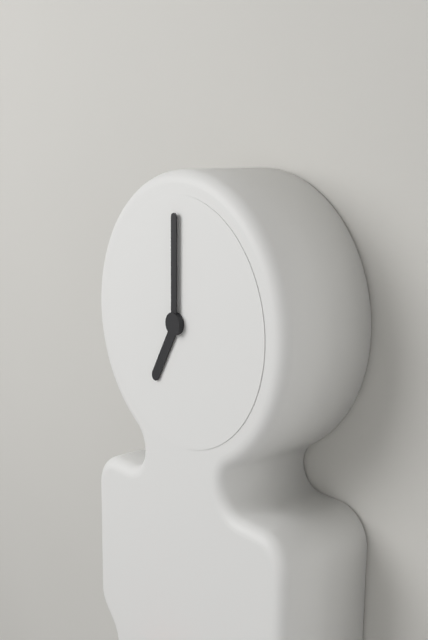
**7:00**
